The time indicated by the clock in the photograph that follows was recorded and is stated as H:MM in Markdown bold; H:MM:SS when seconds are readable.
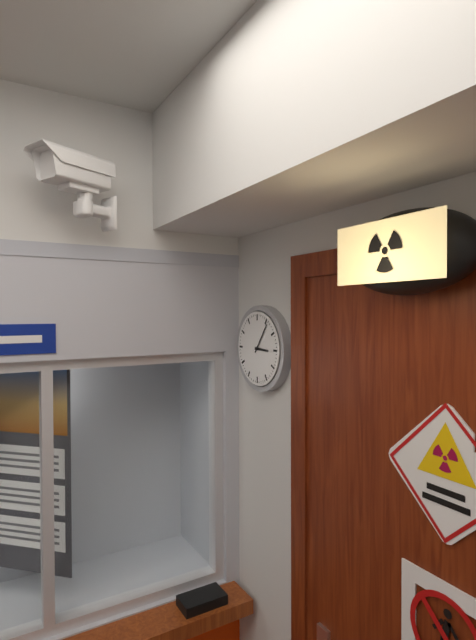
**3:06**
